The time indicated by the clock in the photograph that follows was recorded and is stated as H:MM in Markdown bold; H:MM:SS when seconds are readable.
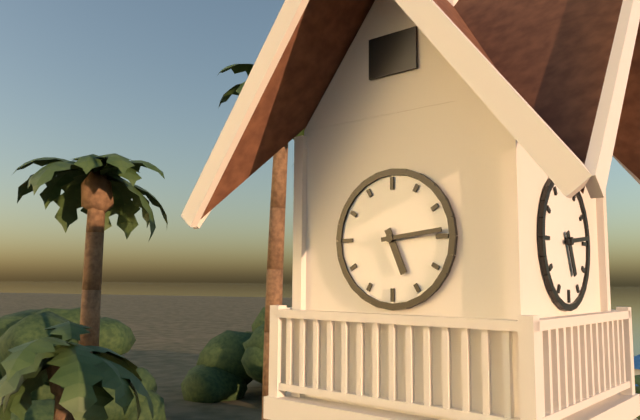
**5:14**
